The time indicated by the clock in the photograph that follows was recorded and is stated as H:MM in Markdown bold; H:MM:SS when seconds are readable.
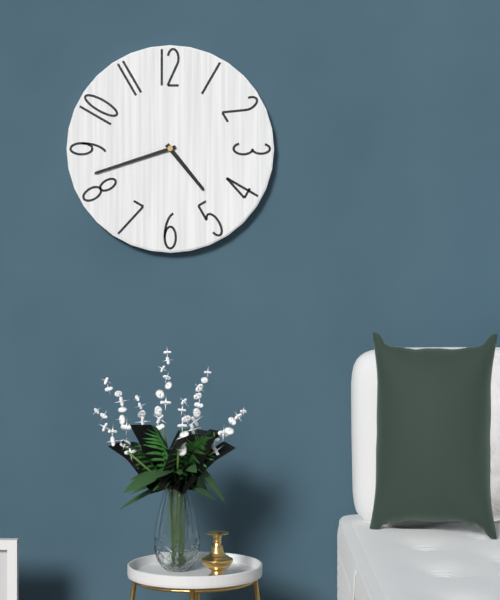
**4:42**
